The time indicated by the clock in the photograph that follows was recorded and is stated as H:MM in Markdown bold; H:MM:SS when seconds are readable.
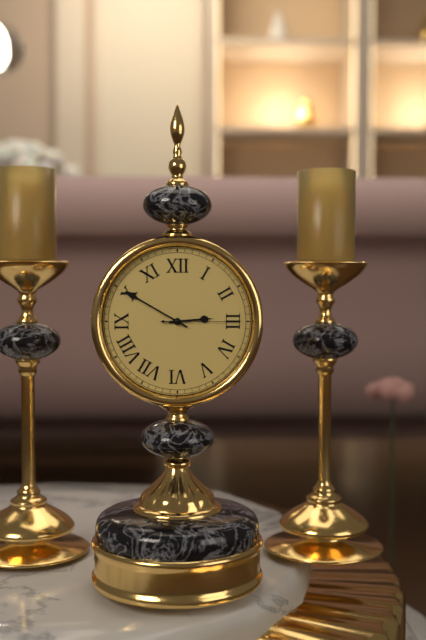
**2:50:15**
